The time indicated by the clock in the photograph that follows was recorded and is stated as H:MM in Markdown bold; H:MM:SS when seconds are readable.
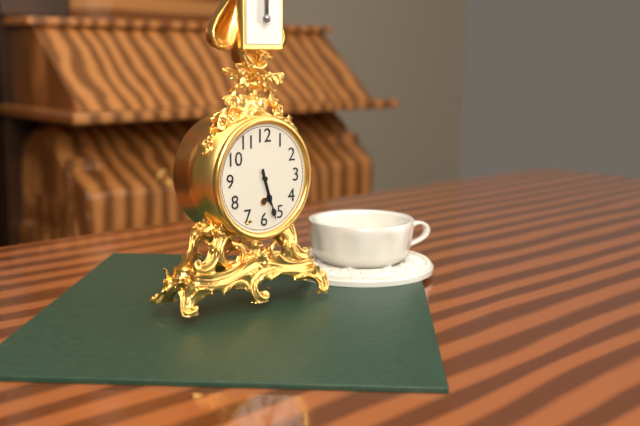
**5:27**
